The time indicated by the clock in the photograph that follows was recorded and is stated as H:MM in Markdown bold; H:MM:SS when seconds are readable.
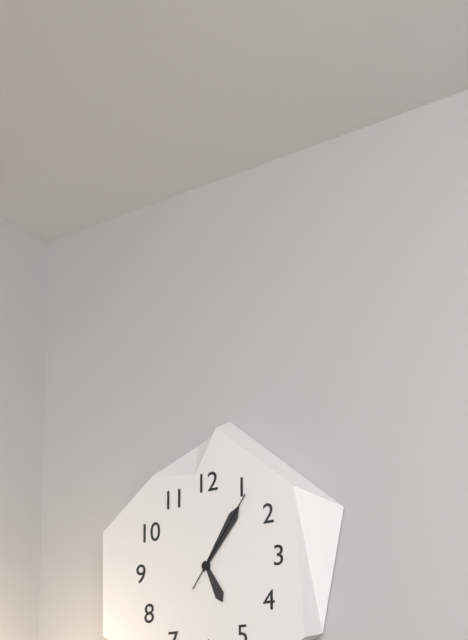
**5:06:06**
